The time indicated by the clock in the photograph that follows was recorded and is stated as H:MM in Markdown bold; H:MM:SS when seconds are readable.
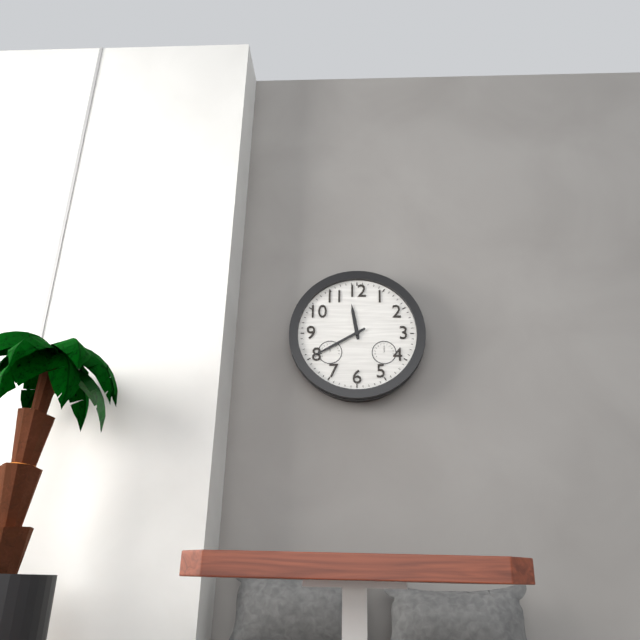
**11:40**
